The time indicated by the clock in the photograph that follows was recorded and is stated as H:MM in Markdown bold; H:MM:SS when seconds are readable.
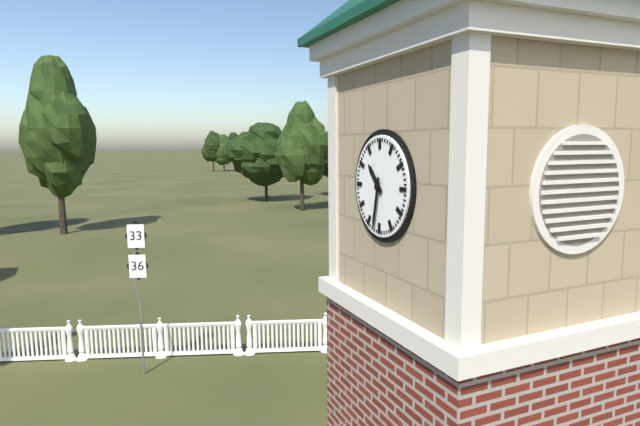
**10:32**
